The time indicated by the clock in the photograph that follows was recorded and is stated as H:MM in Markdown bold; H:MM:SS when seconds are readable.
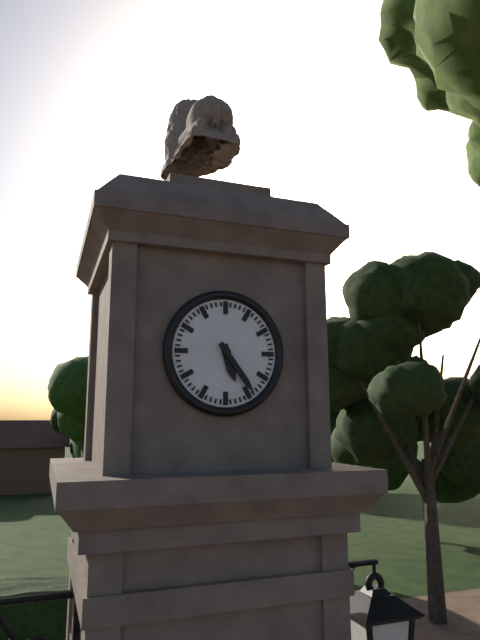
**5:24**
